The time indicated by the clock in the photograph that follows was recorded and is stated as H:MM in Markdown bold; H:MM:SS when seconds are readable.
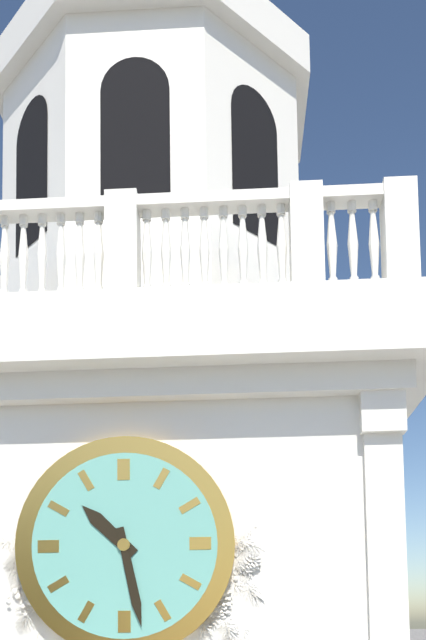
**10:28**
